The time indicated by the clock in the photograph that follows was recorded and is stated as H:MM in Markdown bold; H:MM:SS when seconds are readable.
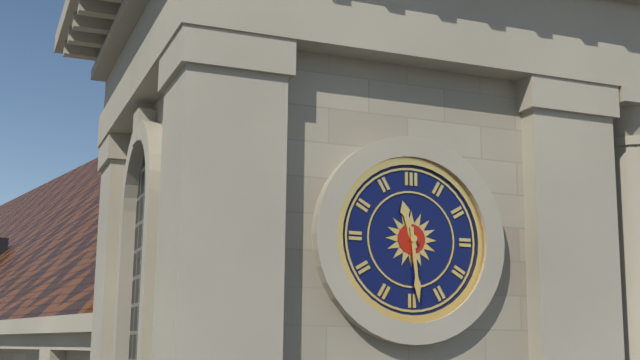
**11:29**
